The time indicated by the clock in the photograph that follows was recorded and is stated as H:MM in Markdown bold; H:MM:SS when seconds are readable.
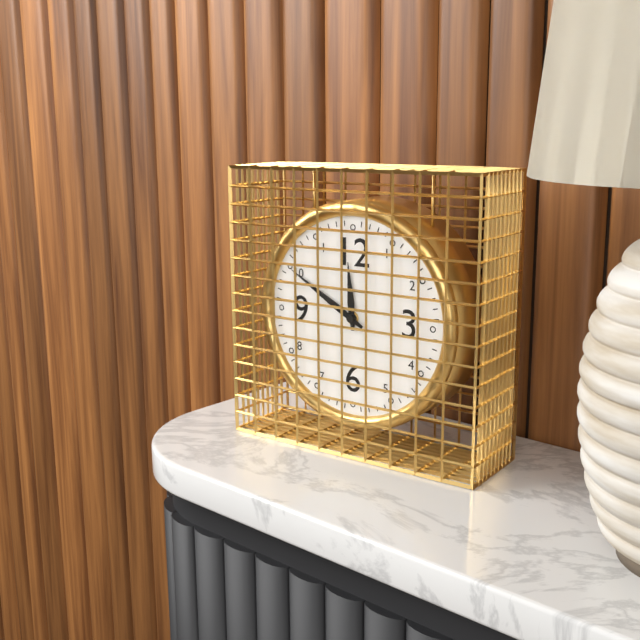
**11:50**
